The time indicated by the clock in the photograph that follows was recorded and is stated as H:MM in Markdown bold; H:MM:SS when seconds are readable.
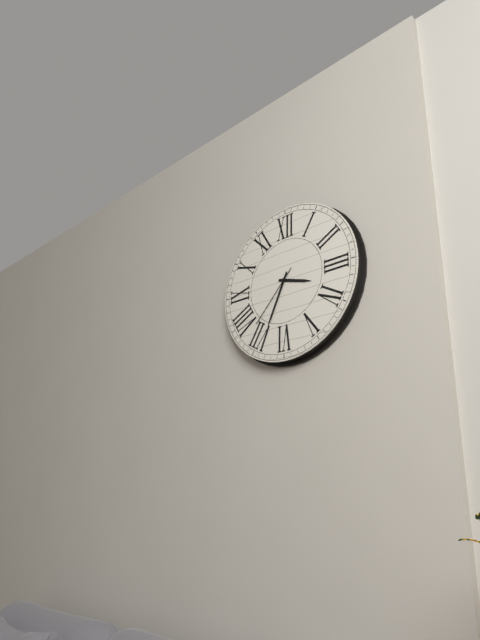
**3:34:37**
